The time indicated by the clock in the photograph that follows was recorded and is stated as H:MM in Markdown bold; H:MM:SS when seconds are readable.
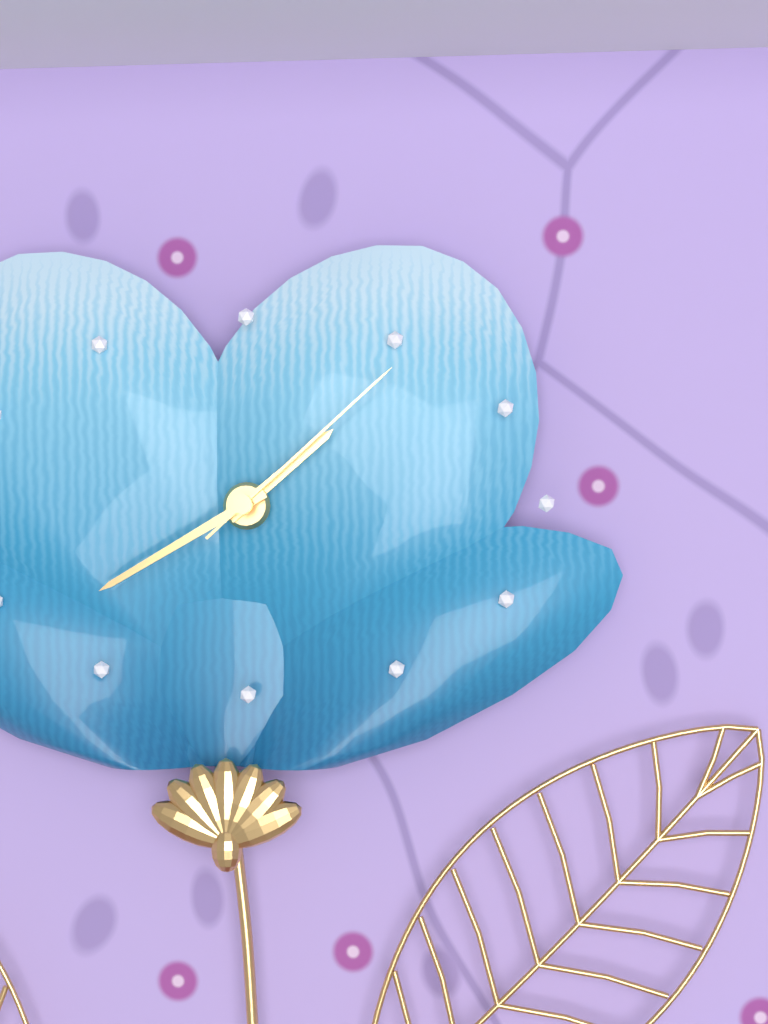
**1:40:08**
